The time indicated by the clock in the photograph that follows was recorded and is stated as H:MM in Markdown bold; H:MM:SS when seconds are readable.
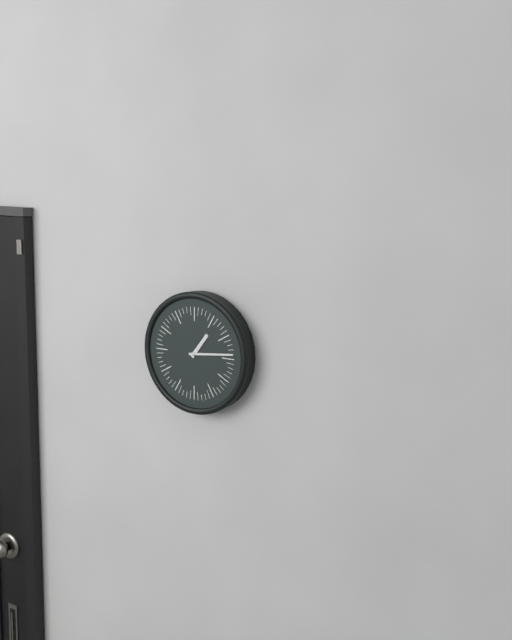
**1:14**
